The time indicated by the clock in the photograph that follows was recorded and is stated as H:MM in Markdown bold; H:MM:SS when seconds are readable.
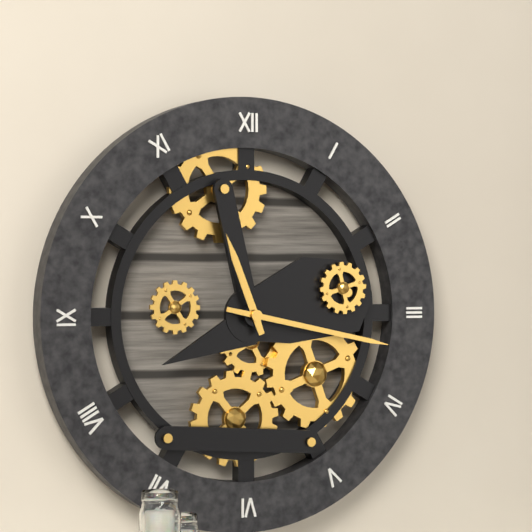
**11:17**
